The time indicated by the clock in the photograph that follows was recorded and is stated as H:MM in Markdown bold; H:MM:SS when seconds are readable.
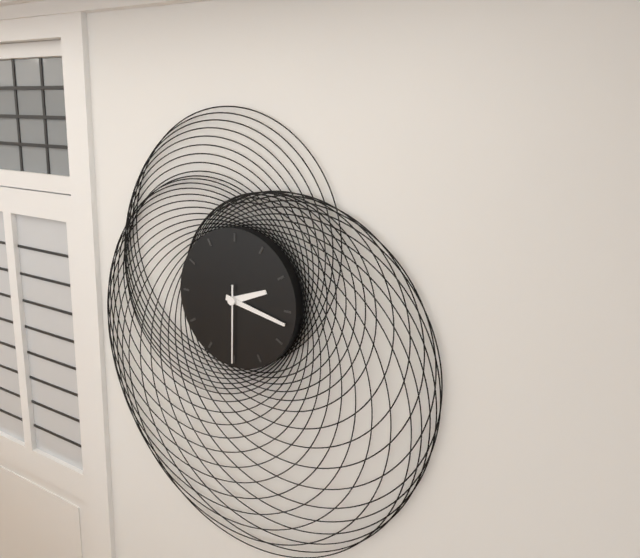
**2:17:30**
